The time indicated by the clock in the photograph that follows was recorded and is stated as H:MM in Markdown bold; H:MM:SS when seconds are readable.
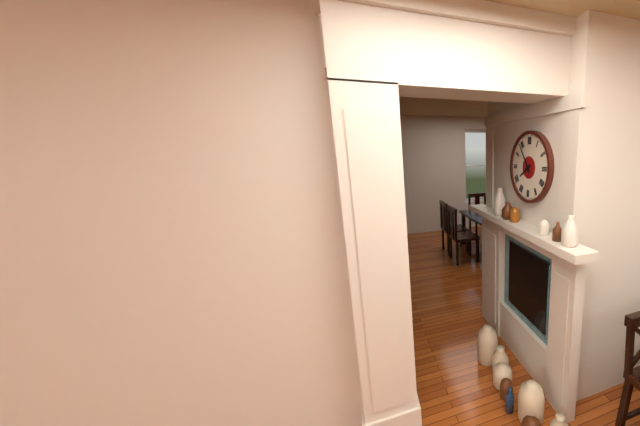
**7:54**
